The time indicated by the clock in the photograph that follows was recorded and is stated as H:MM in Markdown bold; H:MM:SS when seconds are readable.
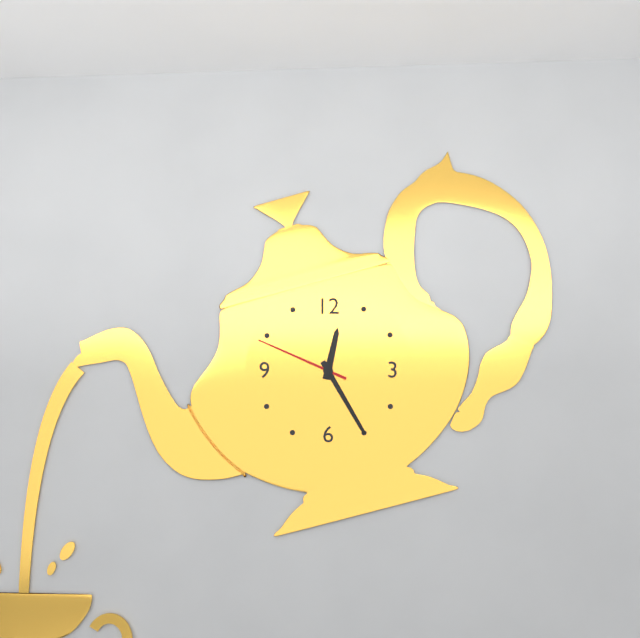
**12:25:49**
